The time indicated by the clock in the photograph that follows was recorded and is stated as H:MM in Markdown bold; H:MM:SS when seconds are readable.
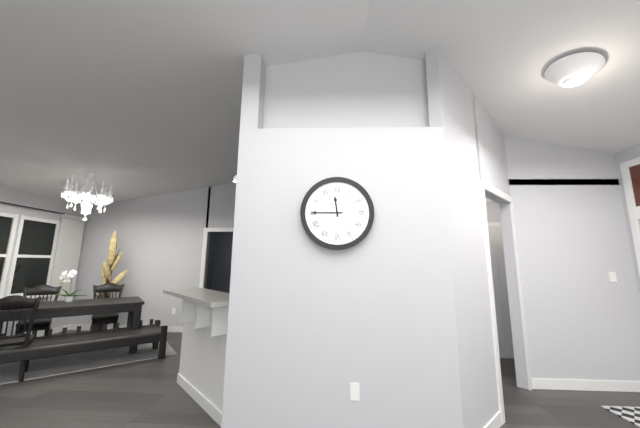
**11:45**
